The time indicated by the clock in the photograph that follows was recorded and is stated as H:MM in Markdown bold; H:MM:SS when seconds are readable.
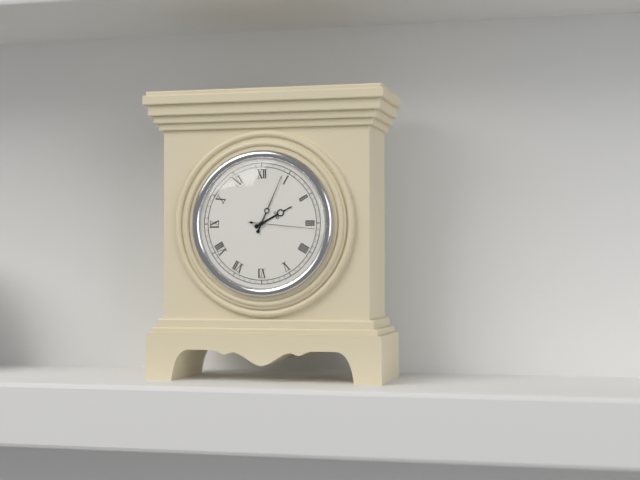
**2:04:16**
